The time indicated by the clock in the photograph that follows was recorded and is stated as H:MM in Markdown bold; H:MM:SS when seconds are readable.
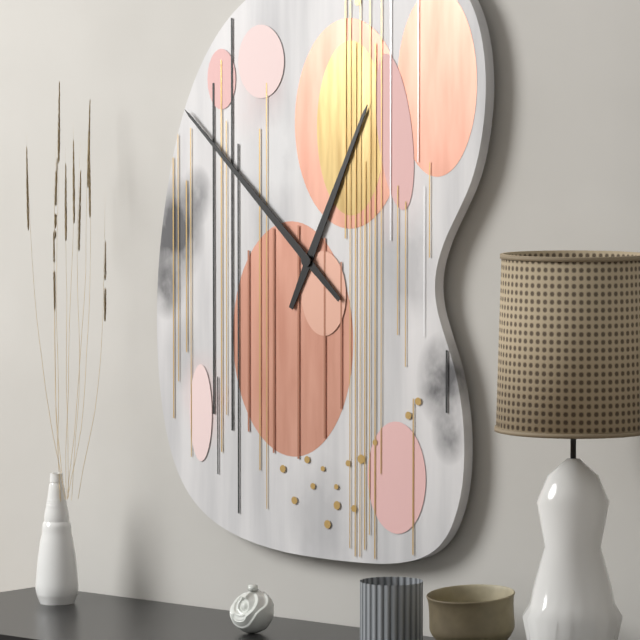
**12:52**
